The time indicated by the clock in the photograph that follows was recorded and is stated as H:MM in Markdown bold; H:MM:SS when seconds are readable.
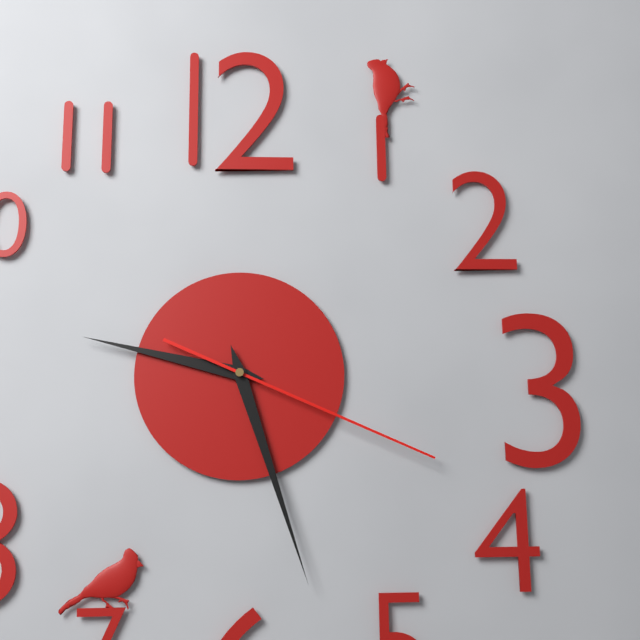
**9:27:19**
